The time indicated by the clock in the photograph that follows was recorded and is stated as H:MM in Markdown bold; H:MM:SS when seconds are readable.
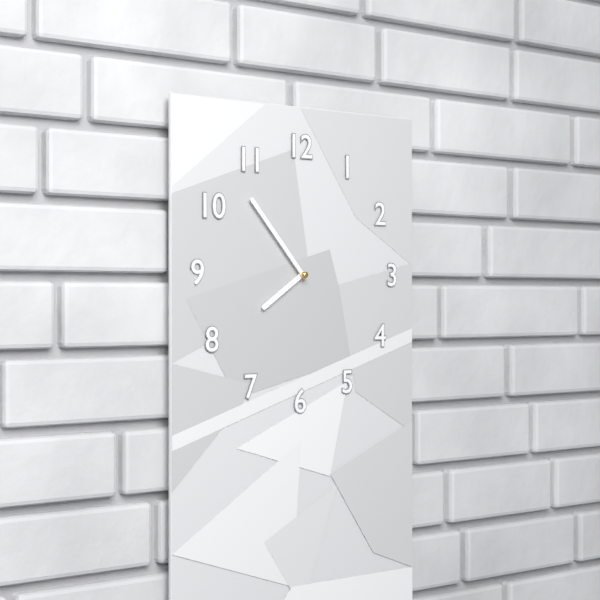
**7:53**
